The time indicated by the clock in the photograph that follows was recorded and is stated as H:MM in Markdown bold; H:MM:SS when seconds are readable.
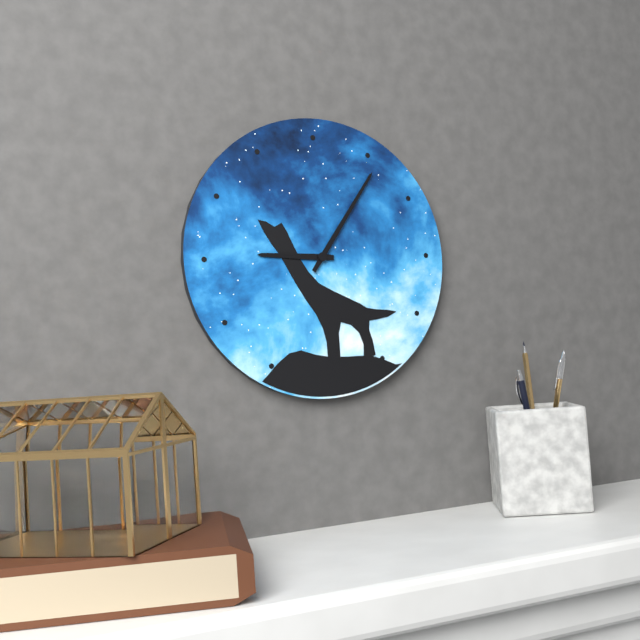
**9:06**
